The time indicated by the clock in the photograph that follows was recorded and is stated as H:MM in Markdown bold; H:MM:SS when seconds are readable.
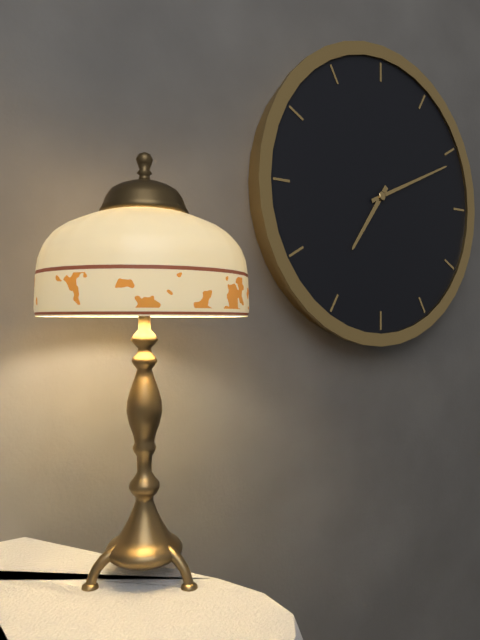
**7:11**
